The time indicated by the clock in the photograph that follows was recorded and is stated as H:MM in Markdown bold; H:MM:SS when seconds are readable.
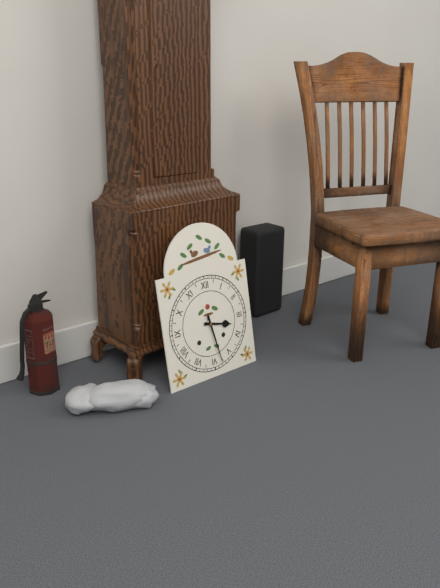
**3:28**
